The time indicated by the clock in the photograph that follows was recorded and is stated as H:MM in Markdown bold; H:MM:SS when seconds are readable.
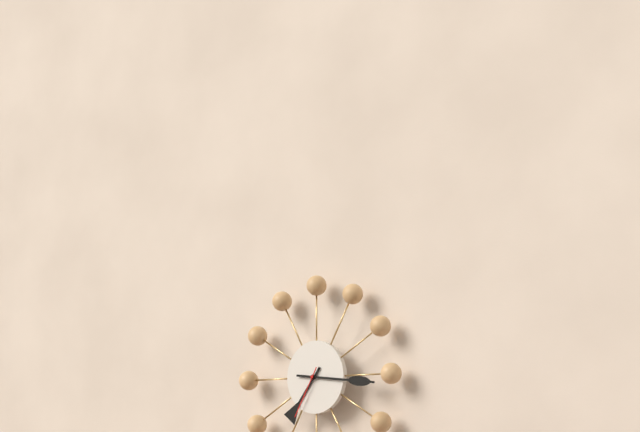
**7:16:35**
